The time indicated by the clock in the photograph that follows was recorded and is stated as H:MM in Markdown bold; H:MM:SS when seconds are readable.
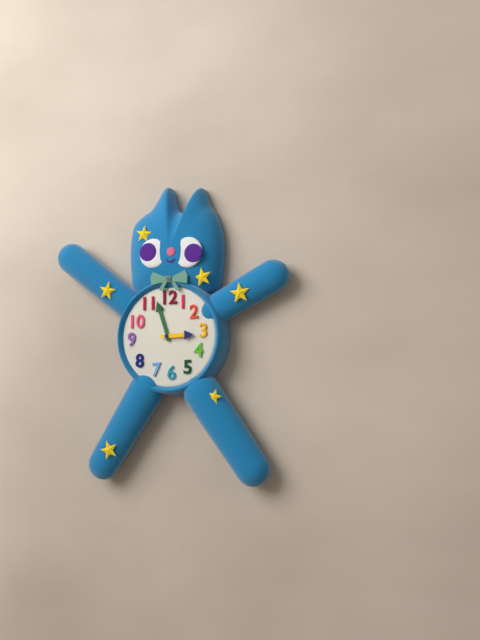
**2:57**
